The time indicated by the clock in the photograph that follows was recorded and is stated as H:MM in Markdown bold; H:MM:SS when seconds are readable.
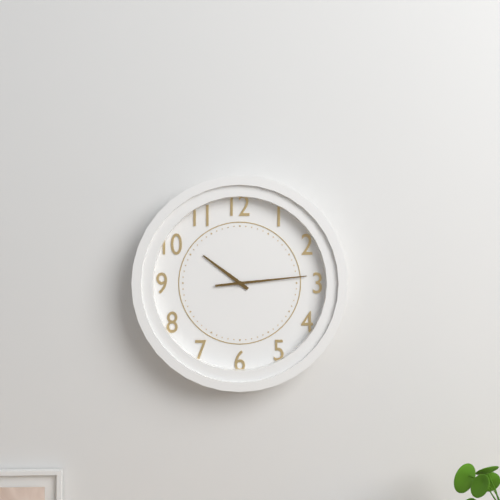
**10:14**
